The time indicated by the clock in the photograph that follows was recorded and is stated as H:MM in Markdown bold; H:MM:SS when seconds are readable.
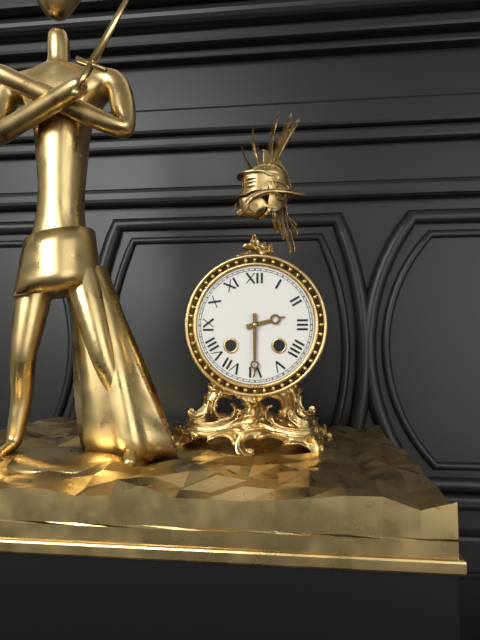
**2:30**
